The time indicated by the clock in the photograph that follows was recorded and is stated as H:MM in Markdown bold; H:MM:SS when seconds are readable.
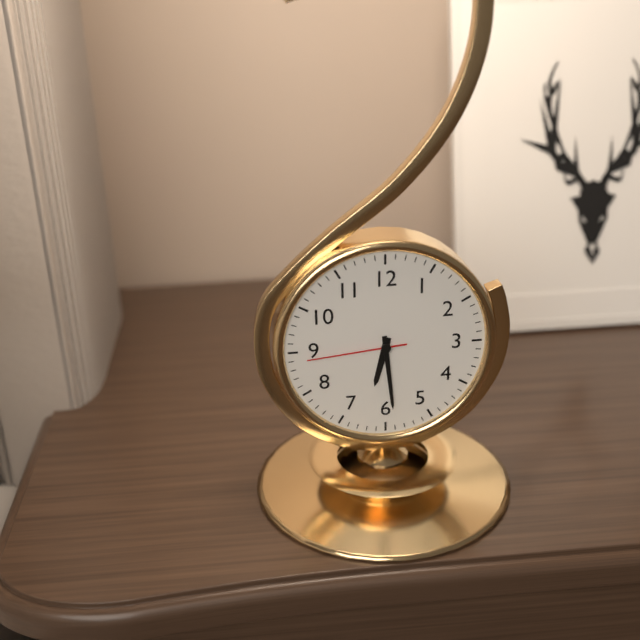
**6:29:44**
